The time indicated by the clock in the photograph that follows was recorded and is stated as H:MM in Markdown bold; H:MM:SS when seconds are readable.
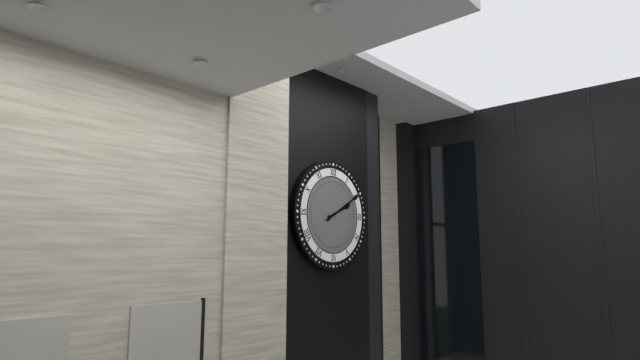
**2:10**
